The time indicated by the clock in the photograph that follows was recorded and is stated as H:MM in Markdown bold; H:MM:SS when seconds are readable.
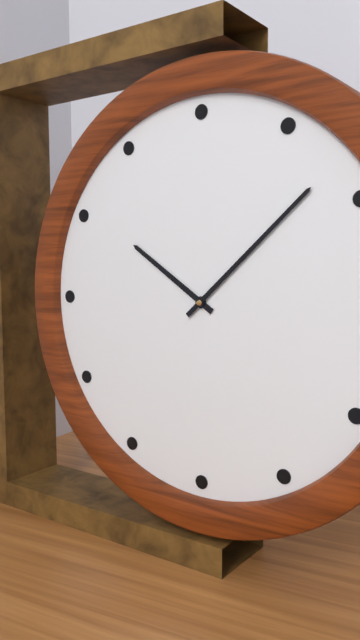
**10:08**
